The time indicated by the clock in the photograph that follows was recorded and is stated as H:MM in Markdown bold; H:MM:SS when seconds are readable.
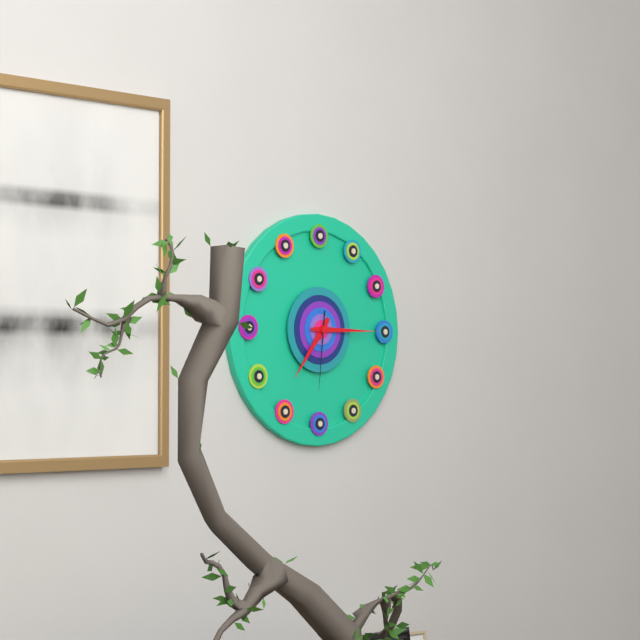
**7:15:31**
